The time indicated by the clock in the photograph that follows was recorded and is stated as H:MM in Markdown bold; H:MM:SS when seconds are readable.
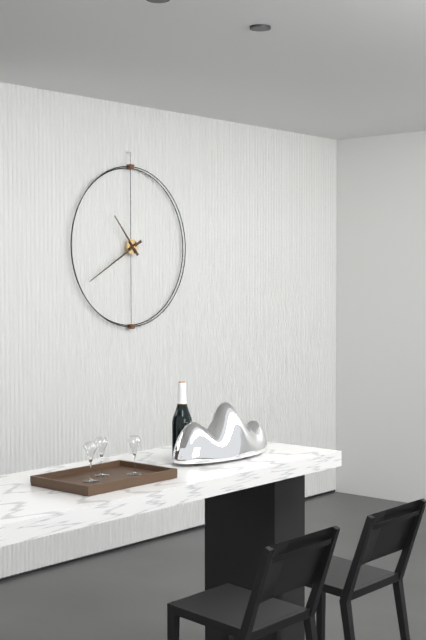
**10:40**
